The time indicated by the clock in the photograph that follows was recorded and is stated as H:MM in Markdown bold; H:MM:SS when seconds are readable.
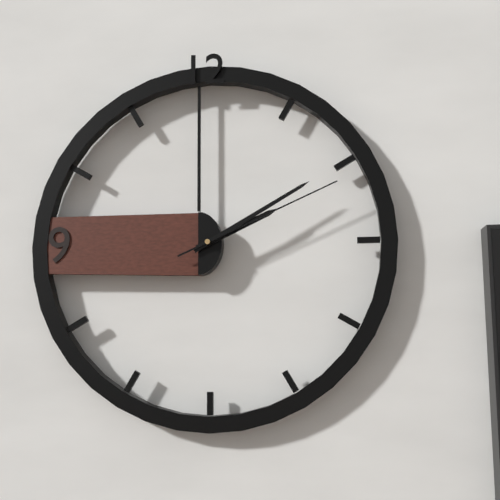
**2:10:11**
